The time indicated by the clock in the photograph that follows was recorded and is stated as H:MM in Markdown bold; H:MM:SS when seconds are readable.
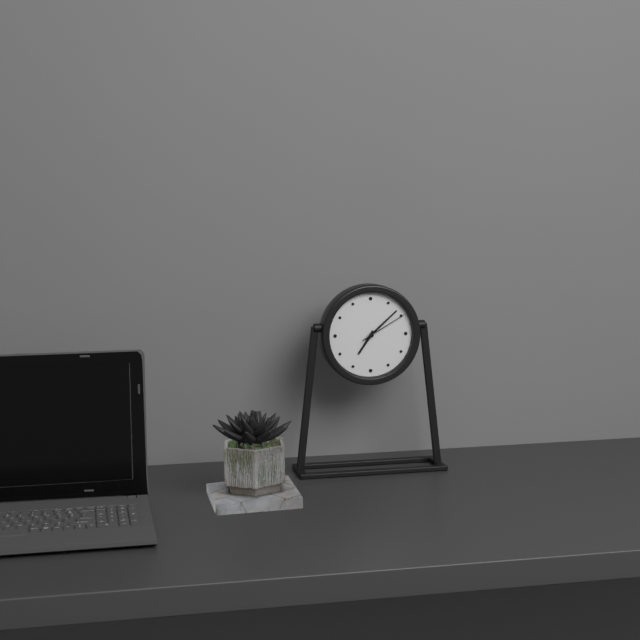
**7:08**
